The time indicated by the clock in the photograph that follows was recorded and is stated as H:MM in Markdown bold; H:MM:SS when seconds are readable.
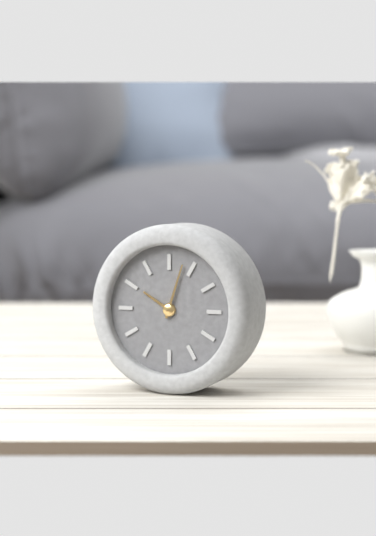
**10:03**
